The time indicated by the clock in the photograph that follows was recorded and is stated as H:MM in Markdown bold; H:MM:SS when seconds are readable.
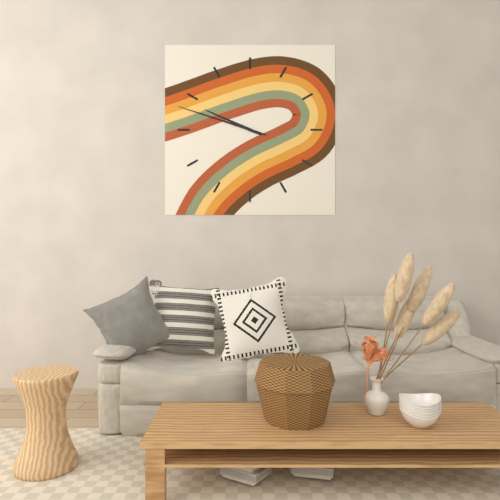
**9:48**
